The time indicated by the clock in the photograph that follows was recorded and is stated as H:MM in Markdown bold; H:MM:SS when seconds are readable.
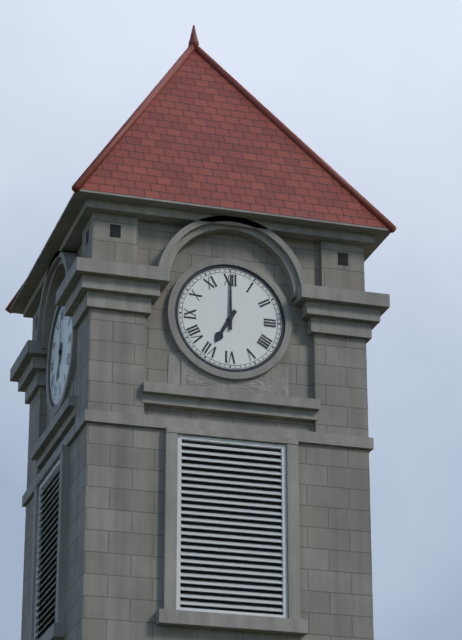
**7:00**
